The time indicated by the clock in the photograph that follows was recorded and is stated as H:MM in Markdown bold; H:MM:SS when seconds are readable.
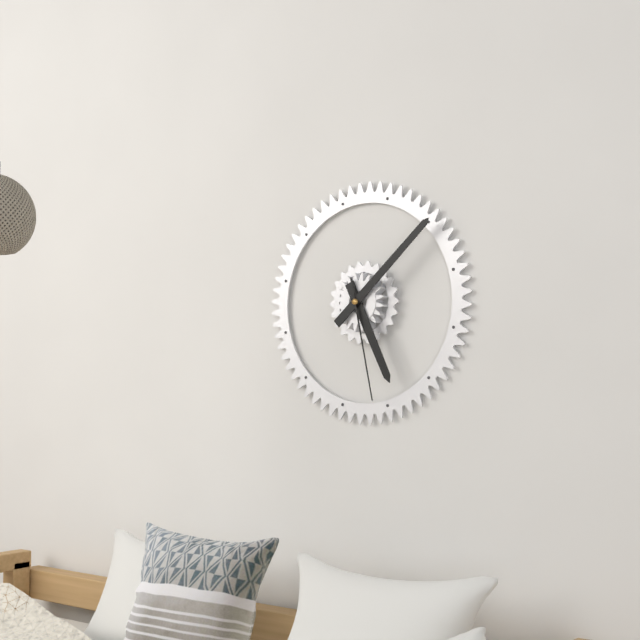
**5:08:28**
